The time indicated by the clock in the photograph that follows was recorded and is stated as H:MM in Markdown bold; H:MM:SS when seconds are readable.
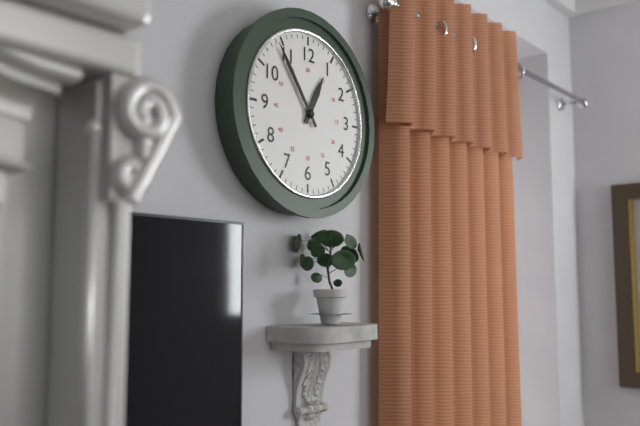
**12:54**
